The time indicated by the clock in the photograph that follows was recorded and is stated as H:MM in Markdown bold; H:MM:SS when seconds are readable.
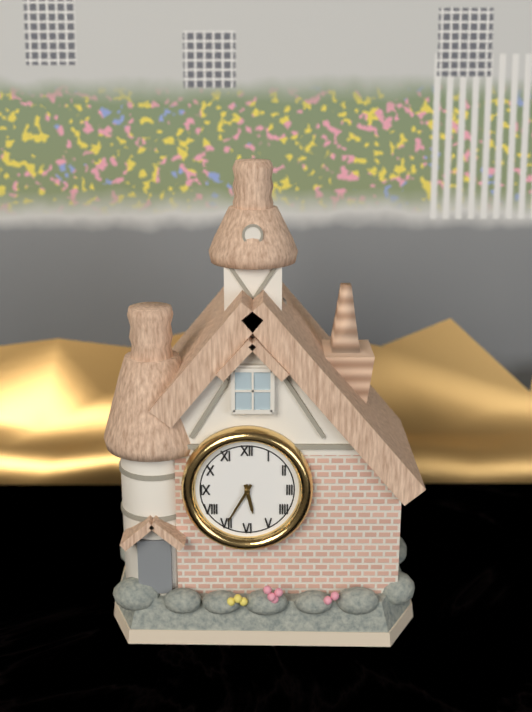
**5:35**
